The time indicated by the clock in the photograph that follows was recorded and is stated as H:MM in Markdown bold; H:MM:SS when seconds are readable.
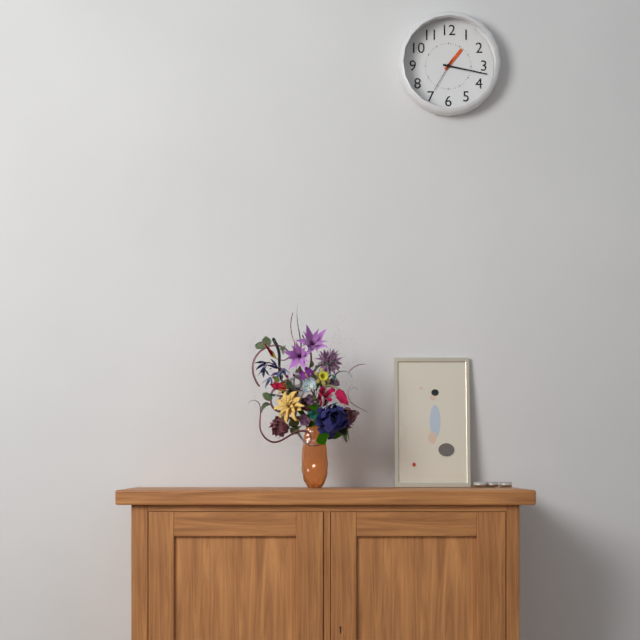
**1:17**
